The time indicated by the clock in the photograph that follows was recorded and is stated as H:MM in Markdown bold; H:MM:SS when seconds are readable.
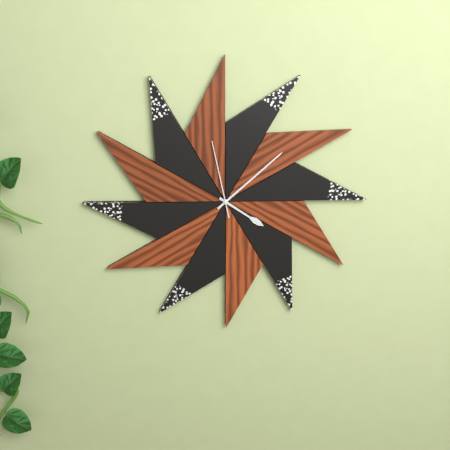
**4:08:58**
